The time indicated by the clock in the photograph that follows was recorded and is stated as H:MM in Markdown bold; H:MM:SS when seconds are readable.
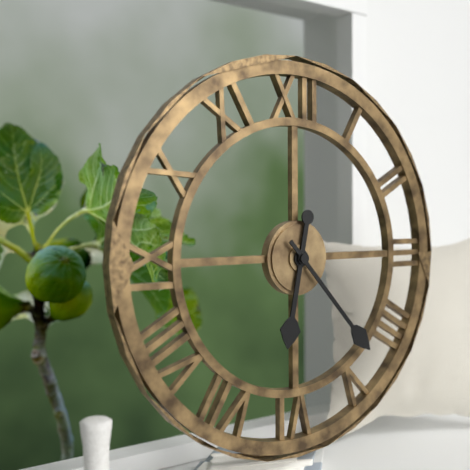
**6:23**
